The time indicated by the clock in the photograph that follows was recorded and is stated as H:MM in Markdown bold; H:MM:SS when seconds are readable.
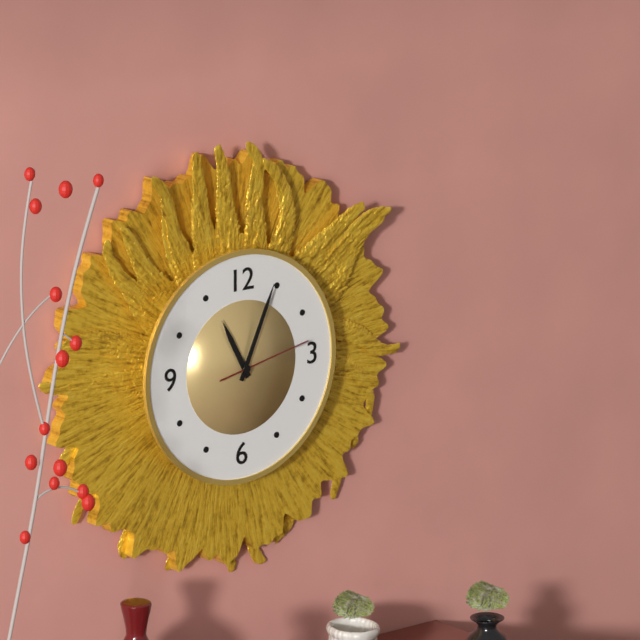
**11:04:13**
